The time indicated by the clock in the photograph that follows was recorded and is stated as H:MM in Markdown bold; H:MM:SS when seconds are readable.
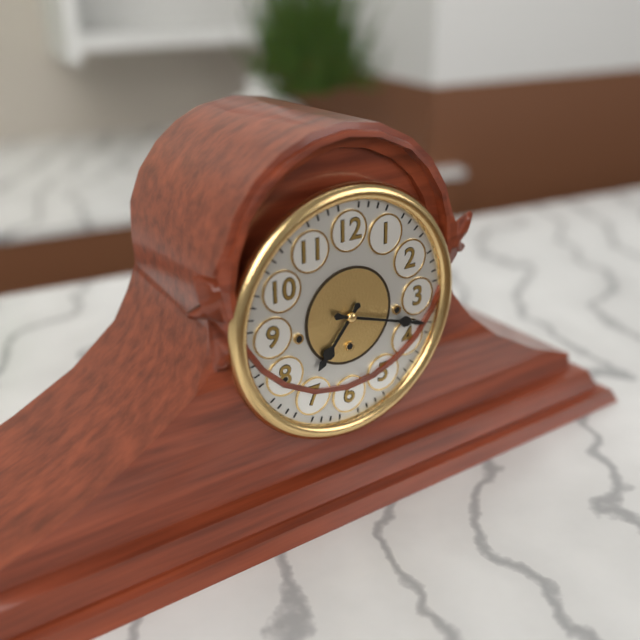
**7:18**
